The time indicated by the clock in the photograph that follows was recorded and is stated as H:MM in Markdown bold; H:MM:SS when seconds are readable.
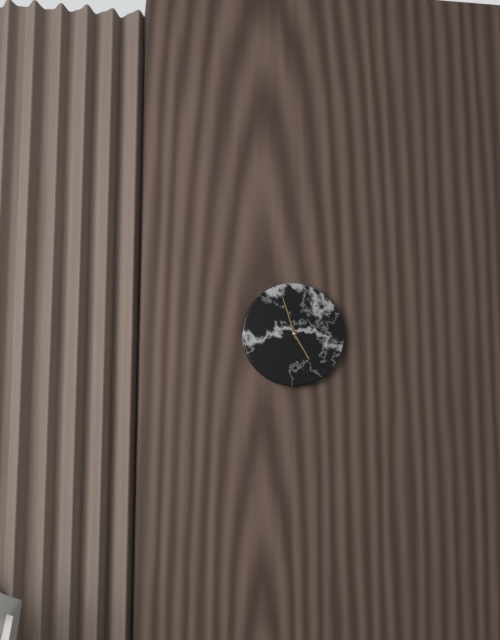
**4:57**
